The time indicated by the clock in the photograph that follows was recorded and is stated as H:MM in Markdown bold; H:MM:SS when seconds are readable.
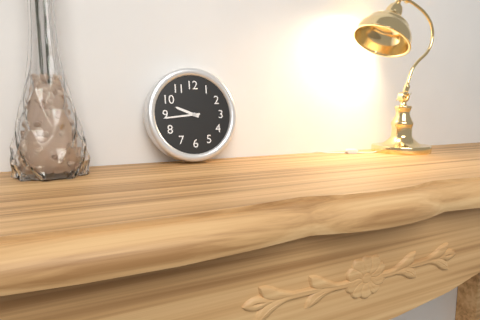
**9:44**
